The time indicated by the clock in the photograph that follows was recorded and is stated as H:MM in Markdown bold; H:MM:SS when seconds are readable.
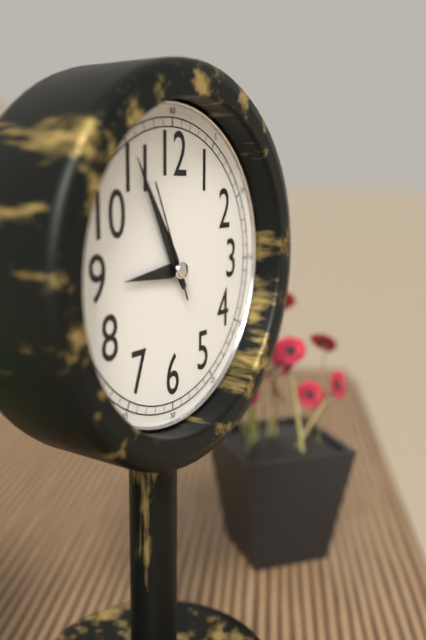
**8:55:56**
